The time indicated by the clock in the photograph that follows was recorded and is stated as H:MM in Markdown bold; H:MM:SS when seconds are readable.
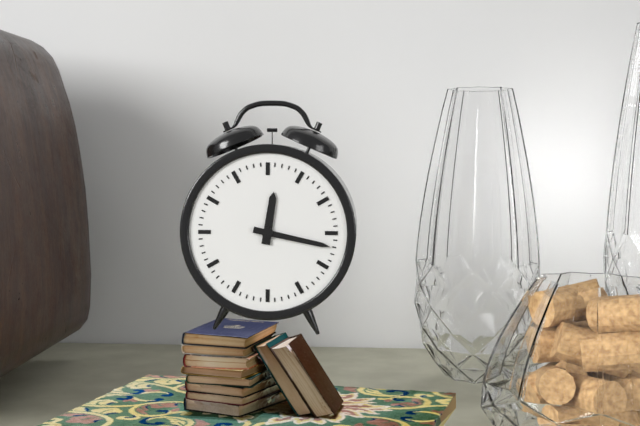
**12:17**
